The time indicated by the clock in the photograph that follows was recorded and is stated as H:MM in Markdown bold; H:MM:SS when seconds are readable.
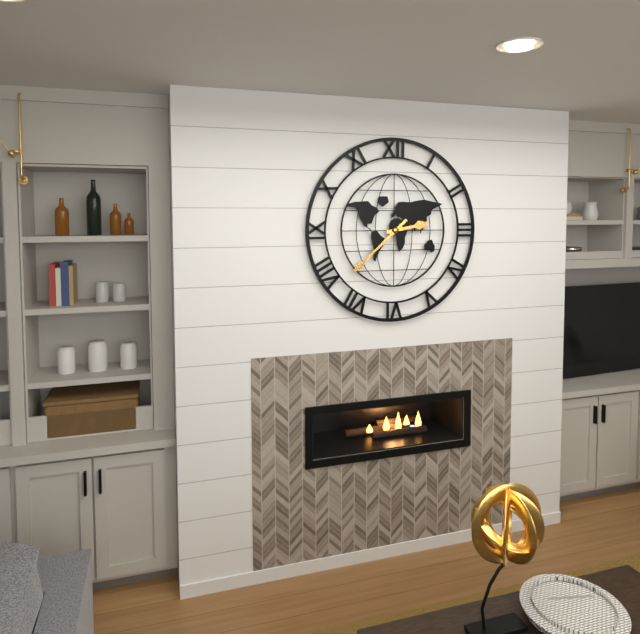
**2:38**
